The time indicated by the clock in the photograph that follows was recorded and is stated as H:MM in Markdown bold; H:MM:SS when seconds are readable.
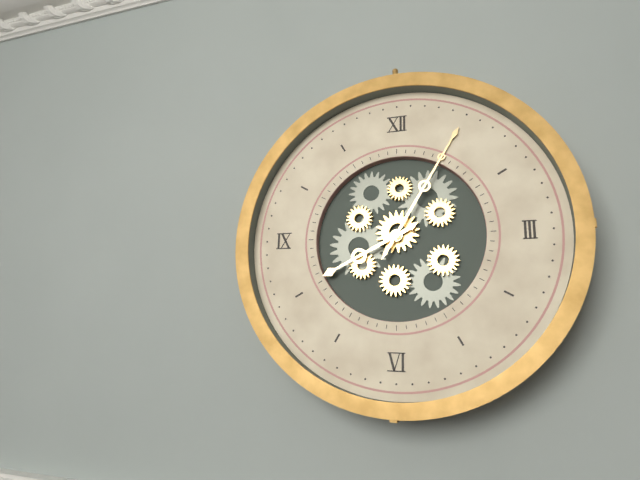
**8:05**
